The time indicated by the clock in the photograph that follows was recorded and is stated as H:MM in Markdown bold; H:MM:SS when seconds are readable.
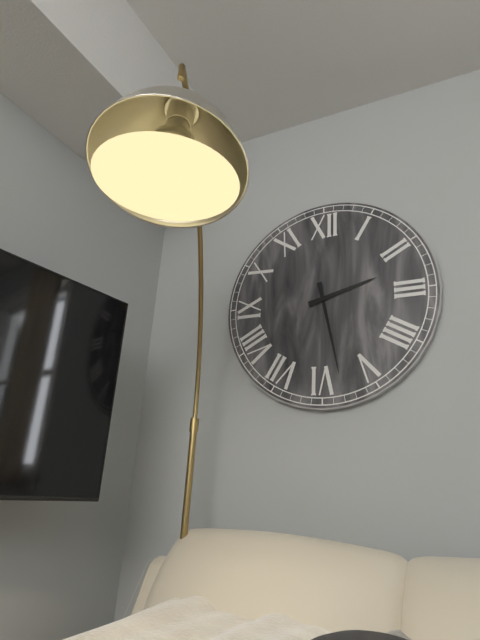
**2:28**
